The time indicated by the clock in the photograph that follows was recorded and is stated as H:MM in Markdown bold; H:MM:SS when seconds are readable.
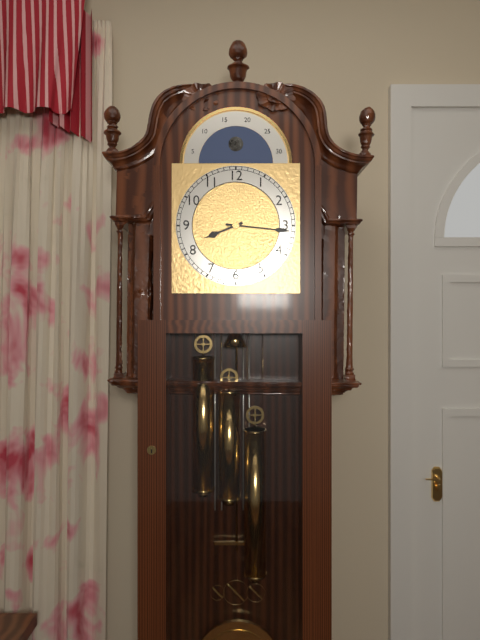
**8:16**
